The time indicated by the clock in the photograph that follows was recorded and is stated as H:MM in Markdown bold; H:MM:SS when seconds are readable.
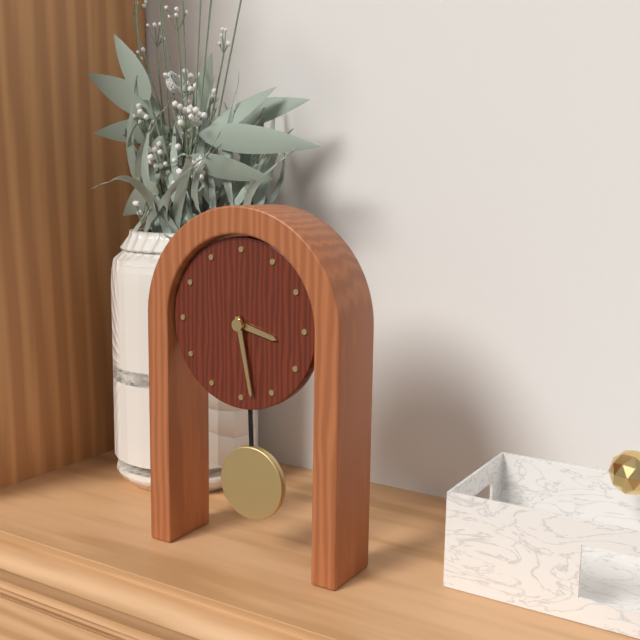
**3:28**
